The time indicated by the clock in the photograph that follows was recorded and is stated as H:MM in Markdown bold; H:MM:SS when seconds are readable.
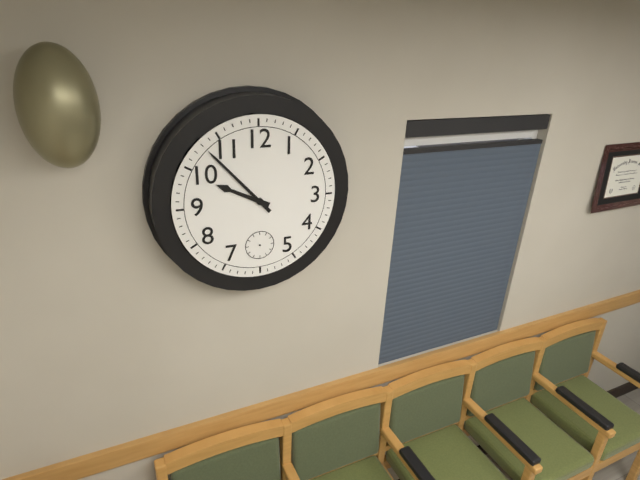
**9:53**
